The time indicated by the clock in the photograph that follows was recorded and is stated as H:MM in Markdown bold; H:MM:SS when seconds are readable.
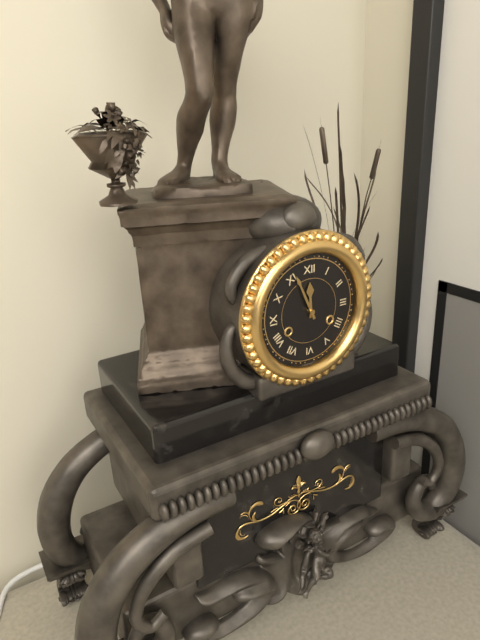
**11:56**
